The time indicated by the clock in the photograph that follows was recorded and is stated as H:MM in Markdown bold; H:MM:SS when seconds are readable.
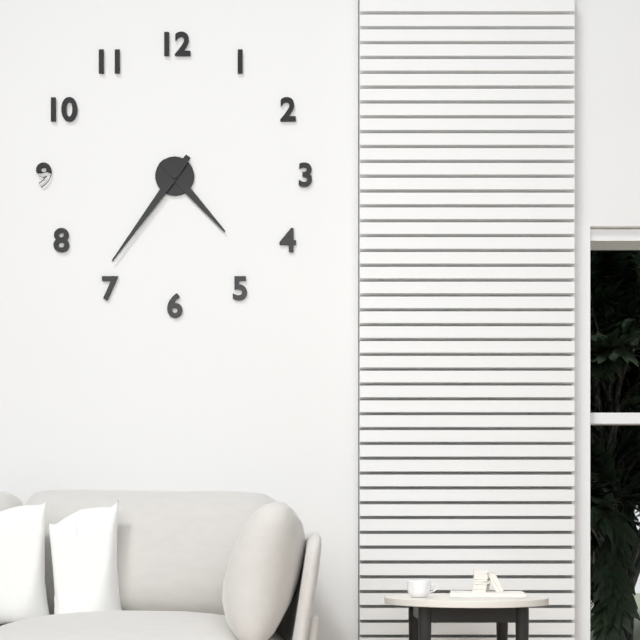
**4:36**
